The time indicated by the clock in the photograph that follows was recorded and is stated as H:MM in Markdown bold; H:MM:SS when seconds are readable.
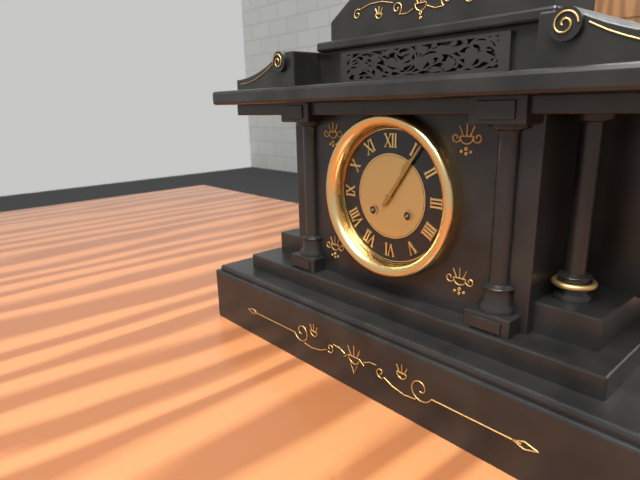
**1:06**
